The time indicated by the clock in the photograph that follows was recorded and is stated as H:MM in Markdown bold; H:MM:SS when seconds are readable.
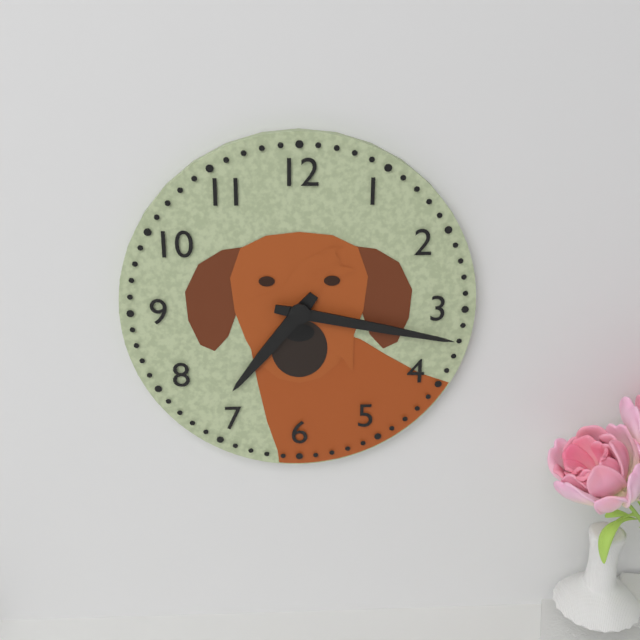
**7:17**
